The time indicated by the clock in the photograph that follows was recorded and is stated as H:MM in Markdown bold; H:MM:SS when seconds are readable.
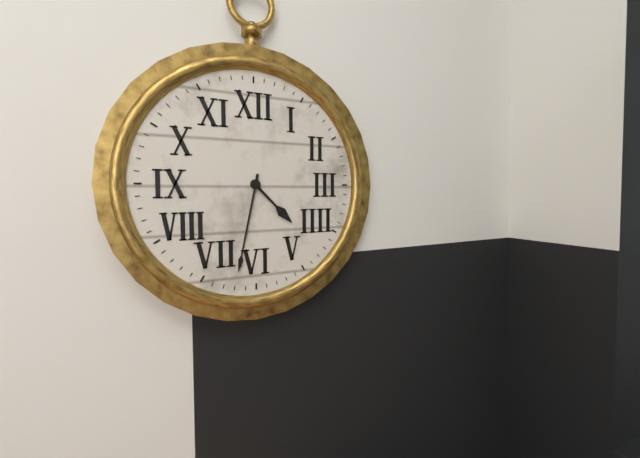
**4:32**
